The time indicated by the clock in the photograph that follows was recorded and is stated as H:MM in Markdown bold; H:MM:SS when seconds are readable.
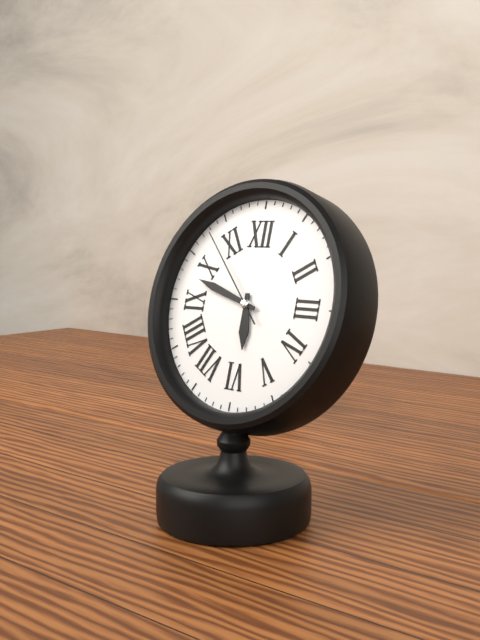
**5:48:53**
